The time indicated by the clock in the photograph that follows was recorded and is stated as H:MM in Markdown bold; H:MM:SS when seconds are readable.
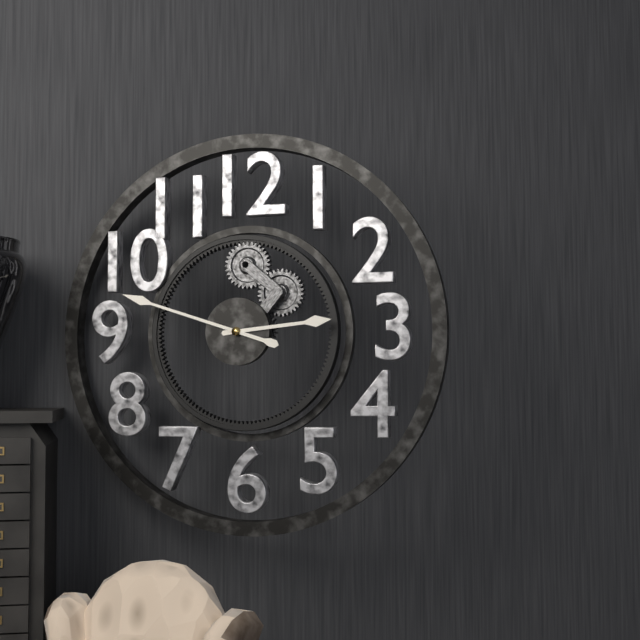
**2:48**
